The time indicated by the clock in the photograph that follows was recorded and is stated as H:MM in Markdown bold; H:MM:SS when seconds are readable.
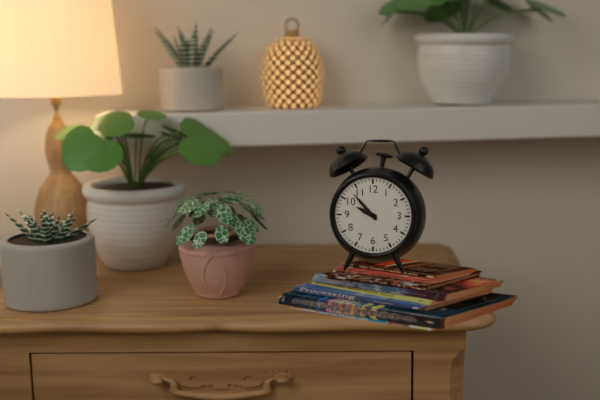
**9:53**
